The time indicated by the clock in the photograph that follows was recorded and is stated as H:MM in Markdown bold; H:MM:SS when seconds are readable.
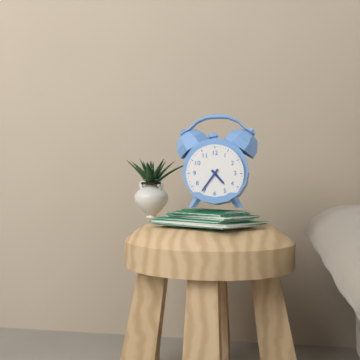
**4:36**
